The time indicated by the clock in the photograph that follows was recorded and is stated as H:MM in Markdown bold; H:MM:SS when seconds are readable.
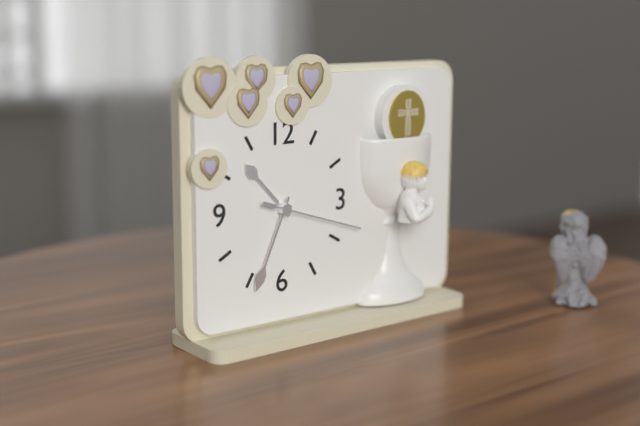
**10:34:18**
